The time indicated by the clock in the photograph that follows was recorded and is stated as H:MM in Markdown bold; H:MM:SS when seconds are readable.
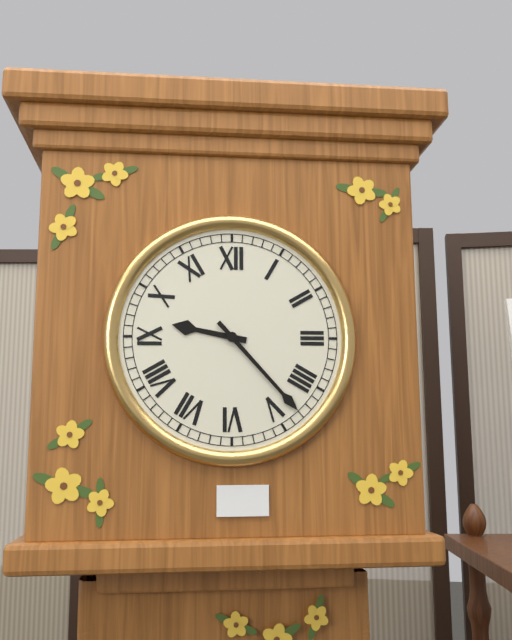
**9:23**
